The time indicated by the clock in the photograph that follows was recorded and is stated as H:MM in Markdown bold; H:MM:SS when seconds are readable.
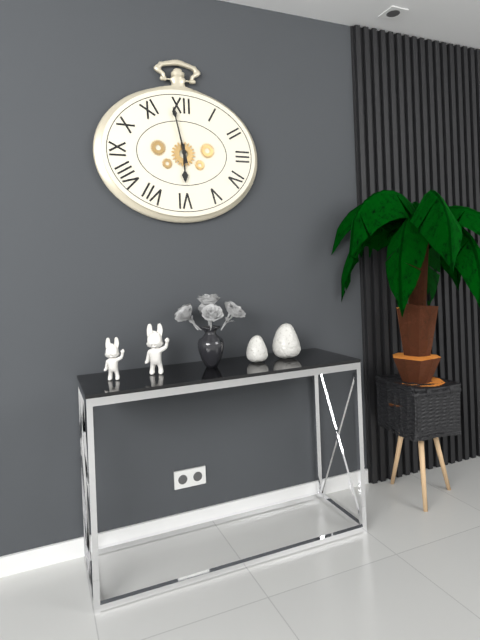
**5:58**
